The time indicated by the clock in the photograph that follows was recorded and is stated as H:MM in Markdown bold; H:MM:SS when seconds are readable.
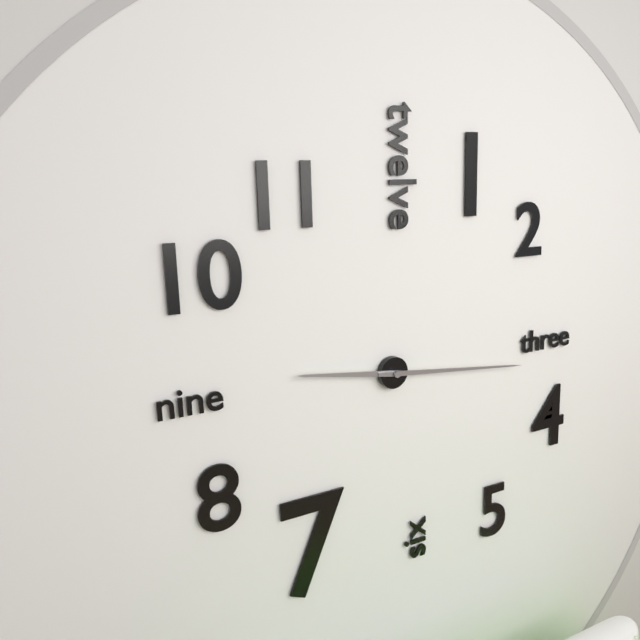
**9:16**
